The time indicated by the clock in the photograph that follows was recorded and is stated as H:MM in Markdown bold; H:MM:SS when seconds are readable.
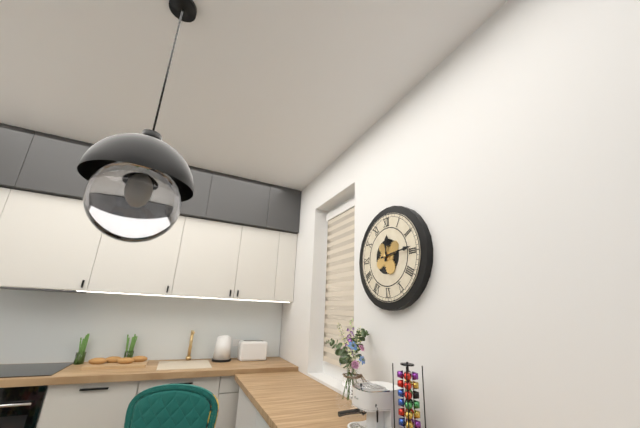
**12:14**
